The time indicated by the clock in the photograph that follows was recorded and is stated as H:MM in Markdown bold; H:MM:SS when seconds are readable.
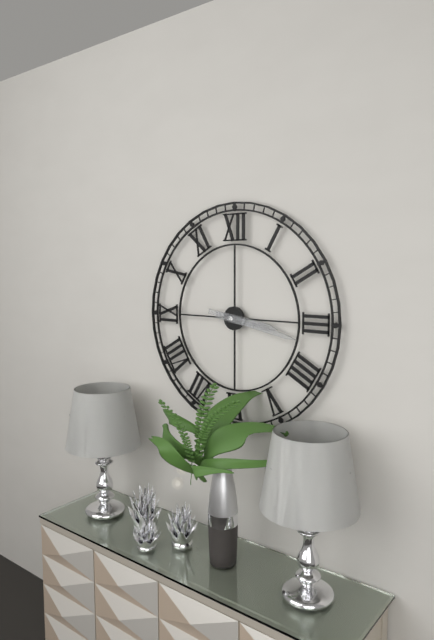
**3:17**
